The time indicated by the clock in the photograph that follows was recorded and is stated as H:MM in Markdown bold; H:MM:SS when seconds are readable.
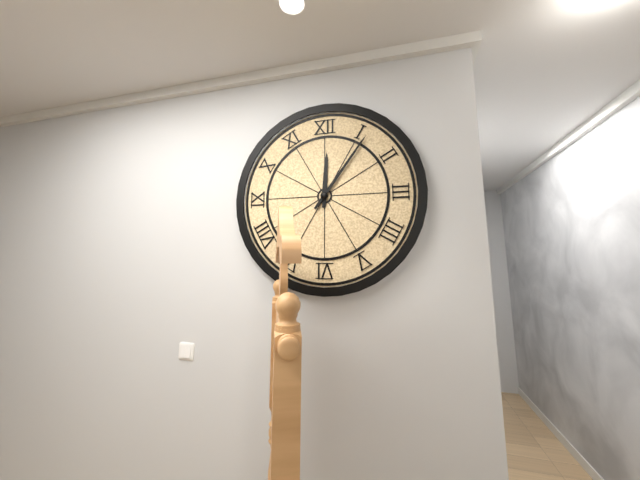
**12:06**
